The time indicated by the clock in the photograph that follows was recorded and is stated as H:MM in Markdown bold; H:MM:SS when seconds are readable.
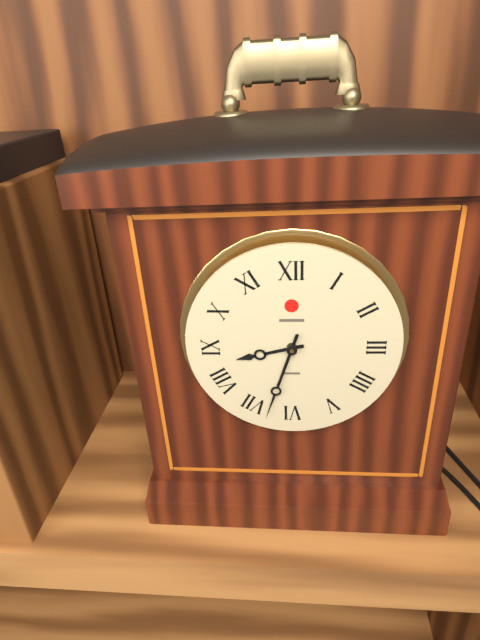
**8:33**
